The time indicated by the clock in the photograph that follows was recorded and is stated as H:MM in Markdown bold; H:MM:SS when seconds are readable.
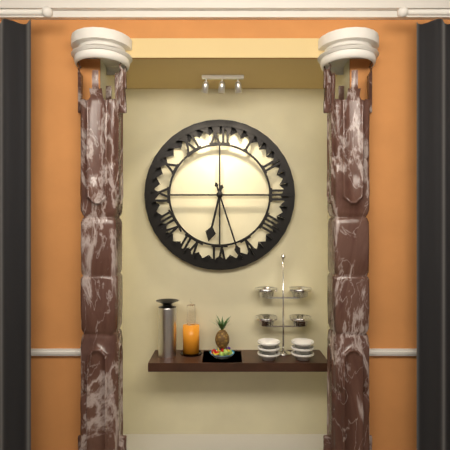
**6:27**
